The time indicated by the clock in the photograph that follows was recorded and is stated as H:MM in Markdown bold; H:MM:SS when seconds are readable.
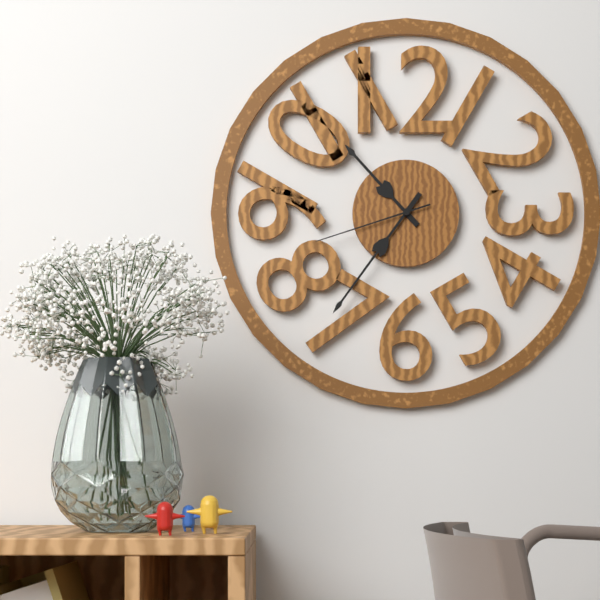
**10:36:42**
